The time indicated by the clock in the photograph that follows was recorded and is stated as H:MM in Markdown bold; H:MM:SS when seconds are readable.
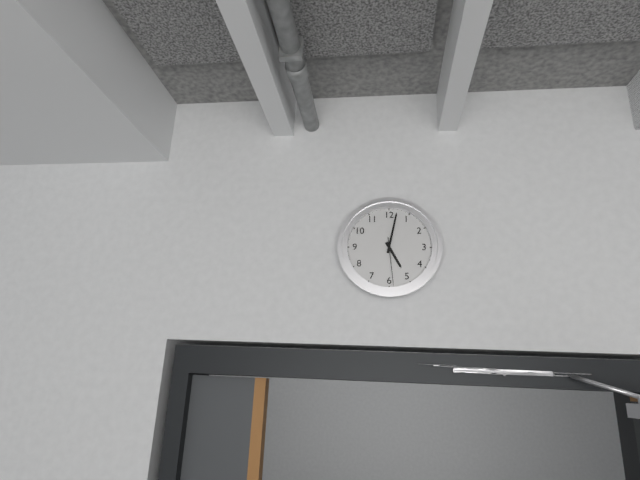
**5:02:29**
